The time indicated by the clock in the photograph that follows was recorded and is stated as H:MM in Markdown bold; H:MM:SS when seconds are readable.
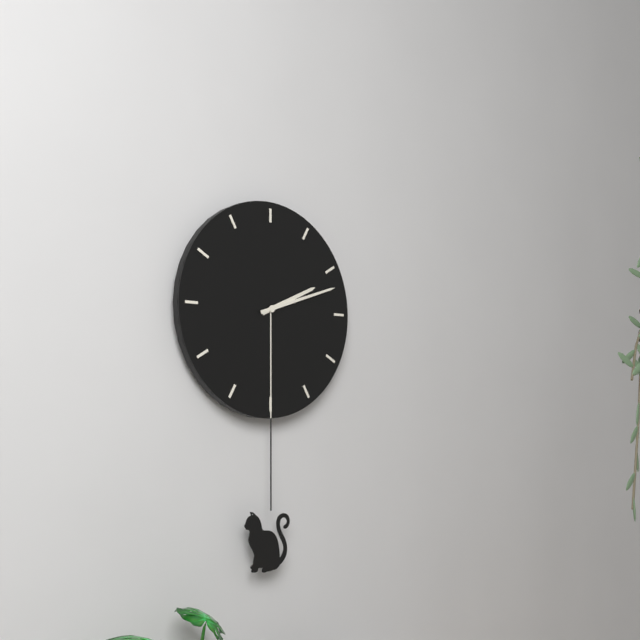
**2:12**
